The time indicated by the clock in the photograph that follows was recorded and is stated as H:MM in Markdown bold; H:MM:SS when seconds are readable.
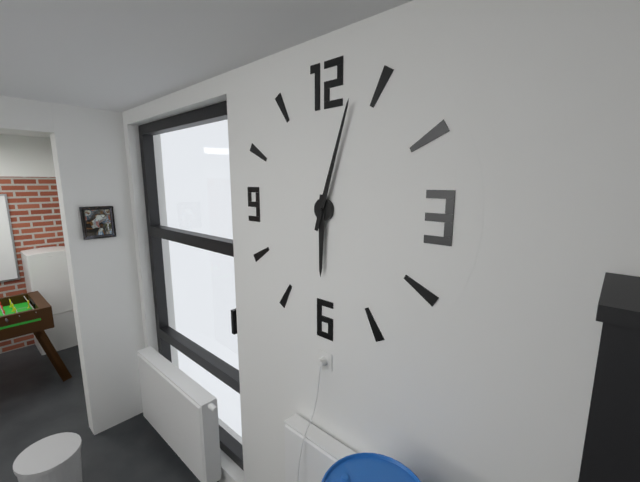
**6:03**
